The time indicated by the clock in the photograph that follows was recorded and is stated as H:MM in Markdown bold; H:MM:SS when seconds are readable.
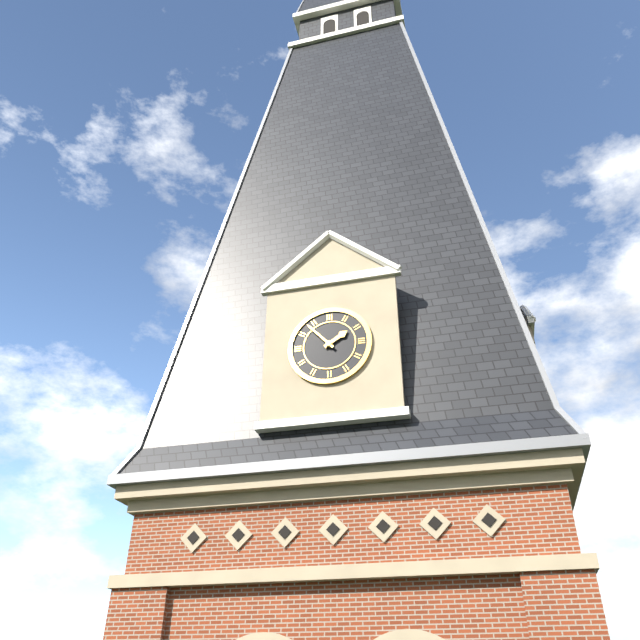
**1:53**
